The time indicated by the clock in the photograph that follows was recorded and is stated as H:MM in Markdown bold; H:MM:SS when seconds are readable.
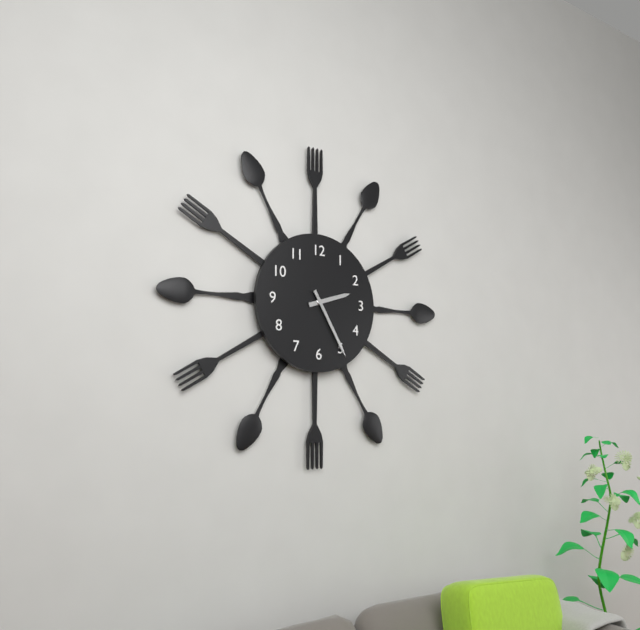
**2:25**
